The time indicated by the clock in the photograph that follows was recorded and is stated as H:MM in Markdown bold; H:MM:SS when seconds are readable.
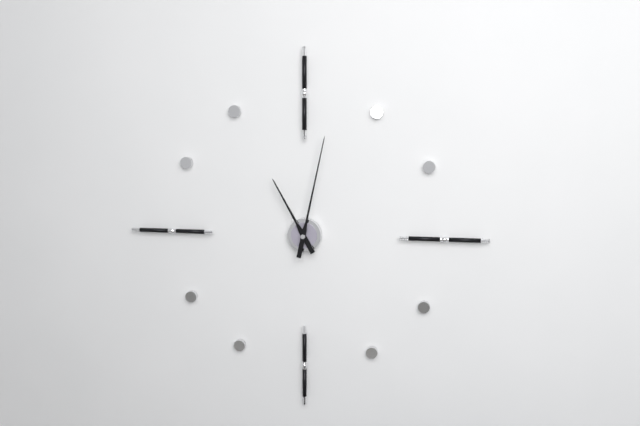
**11:02**
